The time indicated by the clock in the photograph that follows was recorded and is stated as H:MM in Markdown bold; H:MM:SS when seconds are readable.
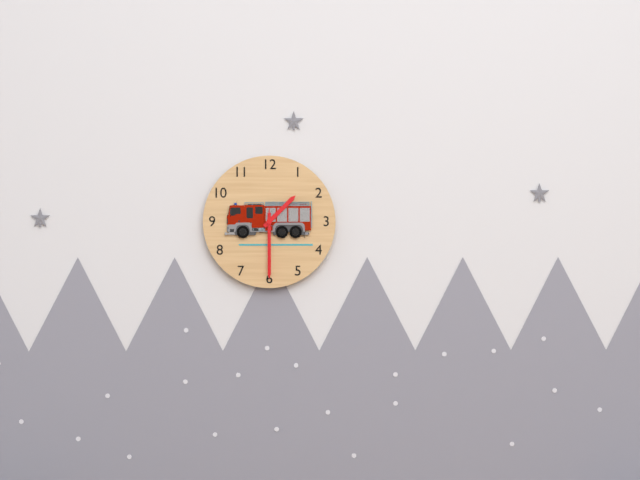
**1:30:30**
